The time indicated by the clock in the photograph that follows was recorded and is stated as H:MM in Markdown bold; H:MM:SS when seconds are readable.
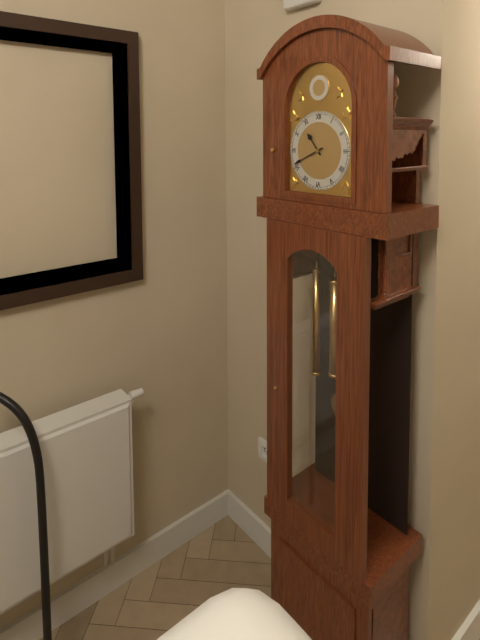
**10:41**
